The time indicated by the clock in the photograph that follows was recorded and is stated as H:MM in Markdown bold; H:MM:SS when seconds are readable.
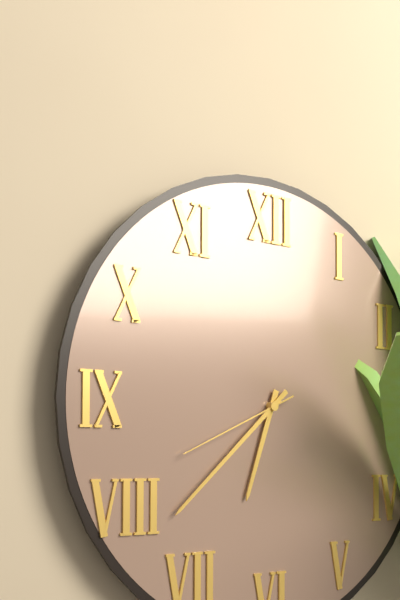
**6:38:41**
